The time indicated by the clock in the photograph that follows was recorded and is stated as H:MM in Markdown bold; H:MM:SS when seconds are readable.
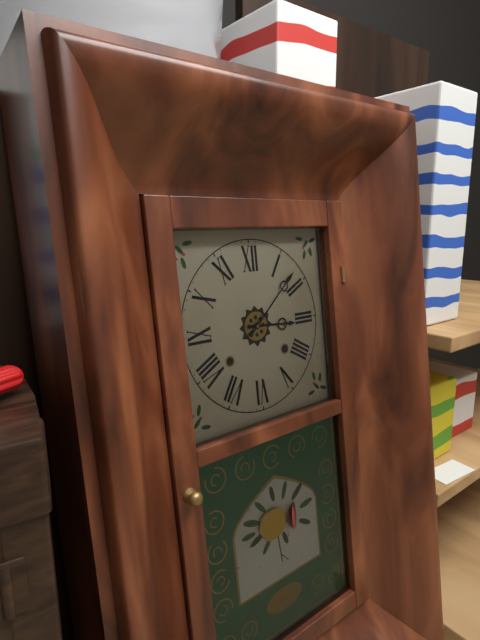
**3:08**
